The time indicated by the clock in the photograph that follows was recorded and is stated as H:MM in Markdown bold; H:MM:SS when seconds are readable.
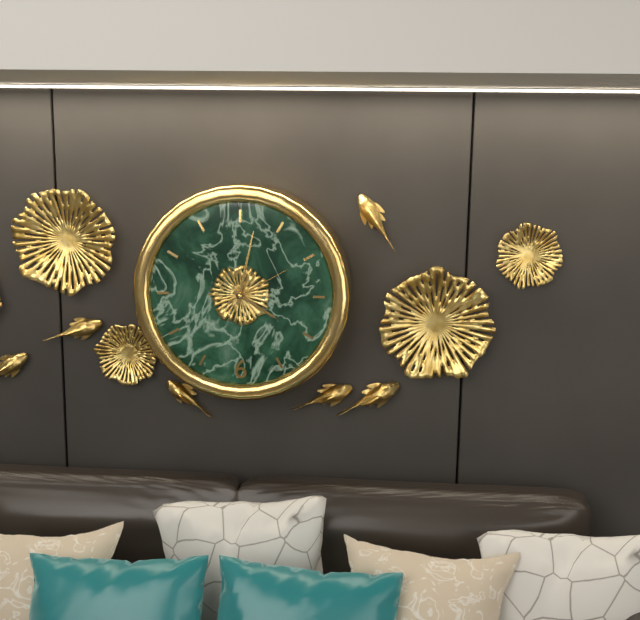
**4:02:10**
